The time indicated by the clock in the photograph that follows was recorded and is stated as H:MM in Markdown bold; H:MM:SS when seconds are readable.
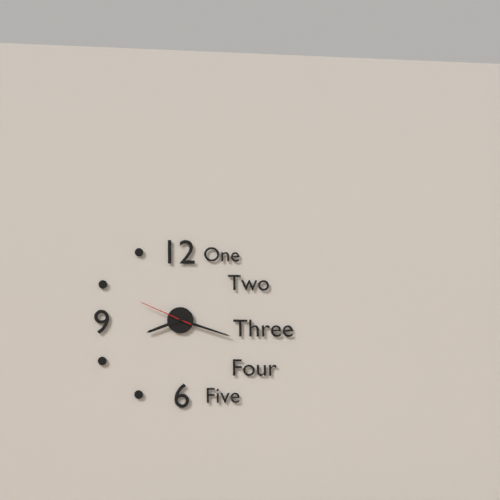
**8:18:49**
